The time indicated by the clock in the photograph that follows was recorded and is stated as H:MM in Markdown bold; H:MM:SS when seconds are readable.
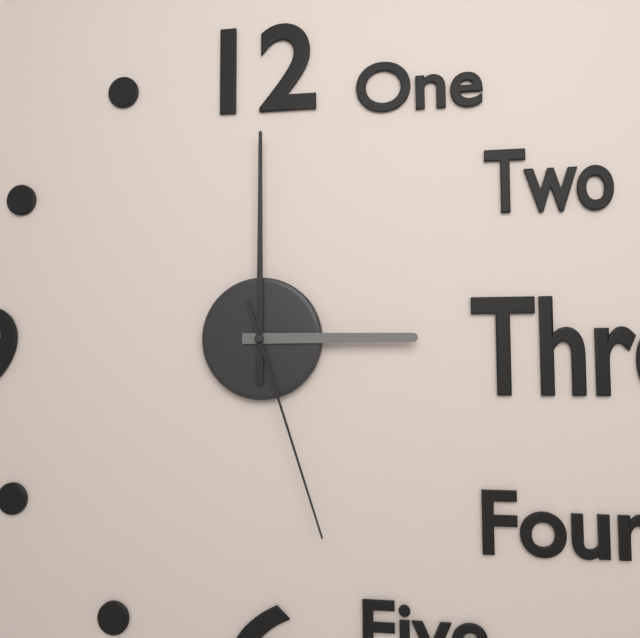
**3:00:27**
